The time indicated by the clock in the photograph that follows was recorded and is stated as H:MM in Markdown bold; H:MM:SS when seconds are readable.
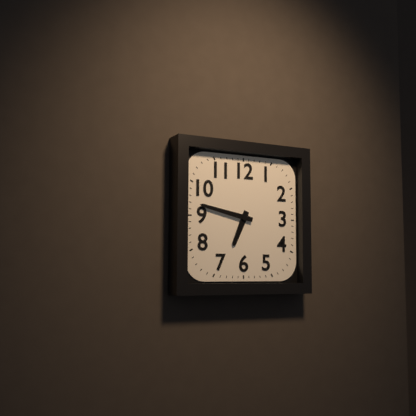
**6:47**
